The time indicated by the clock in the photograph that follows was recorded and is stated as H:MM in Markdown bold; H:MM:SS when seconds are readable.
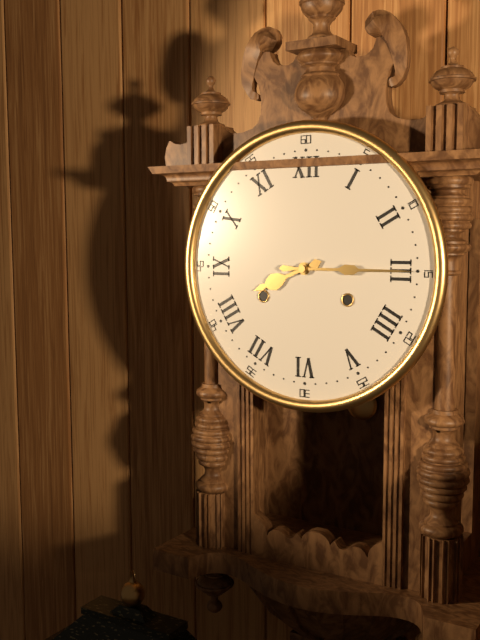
**8:15**
